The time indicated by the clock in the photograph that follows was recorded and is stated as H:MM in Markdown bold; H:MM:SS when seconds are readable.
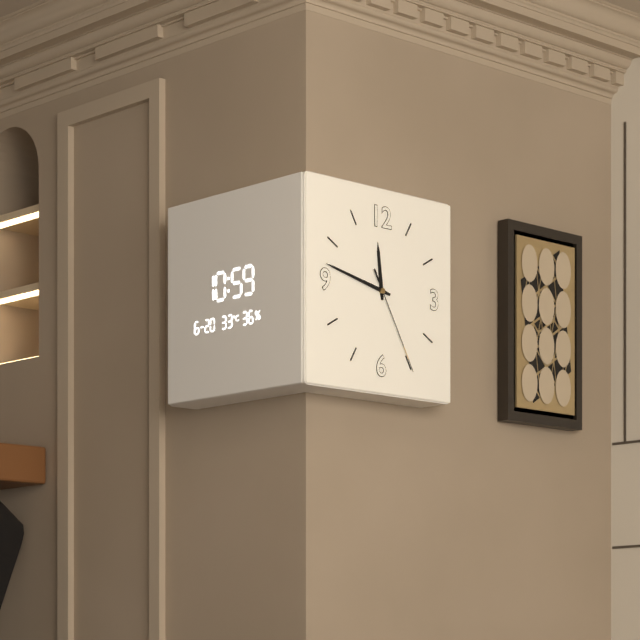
**11:47:25**
